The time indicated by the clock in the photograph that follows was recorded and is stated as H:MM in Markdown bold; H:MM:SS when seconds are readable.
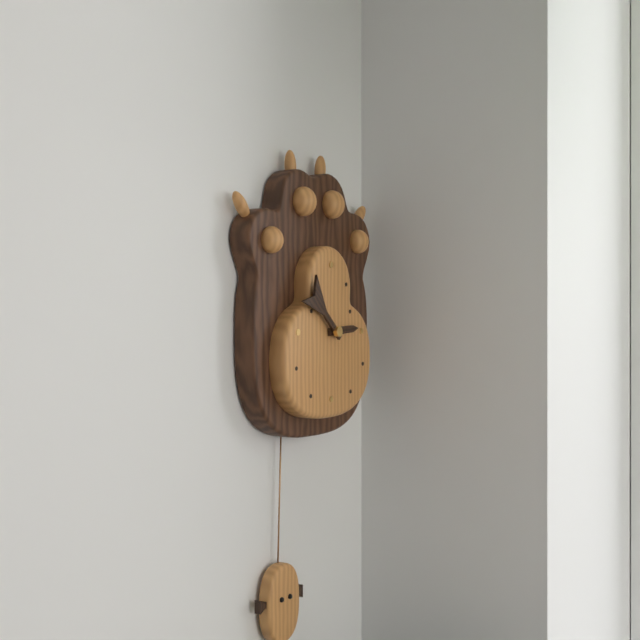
**2:52**
